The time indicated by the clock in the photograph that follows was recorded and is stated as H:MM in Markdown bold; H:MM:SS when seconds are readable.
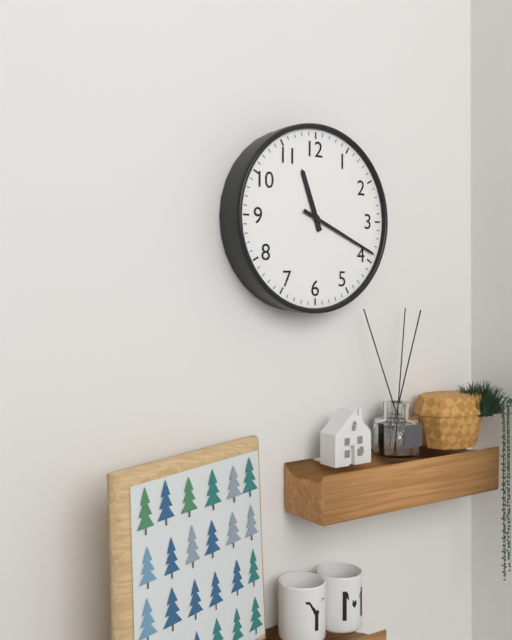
**11:19**
